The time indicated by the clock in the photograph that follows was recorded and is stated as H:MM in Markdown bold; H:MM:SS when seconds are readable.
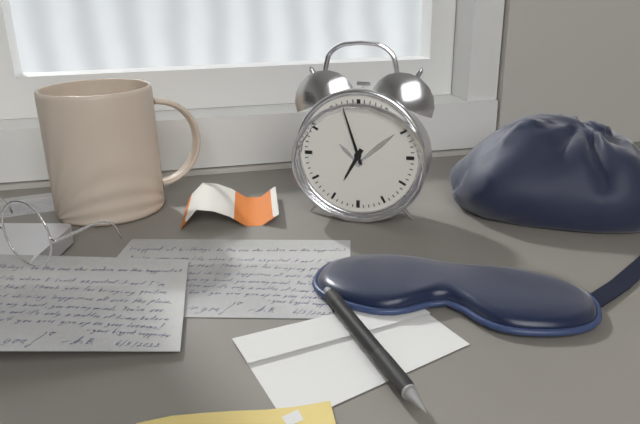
**6:57**
